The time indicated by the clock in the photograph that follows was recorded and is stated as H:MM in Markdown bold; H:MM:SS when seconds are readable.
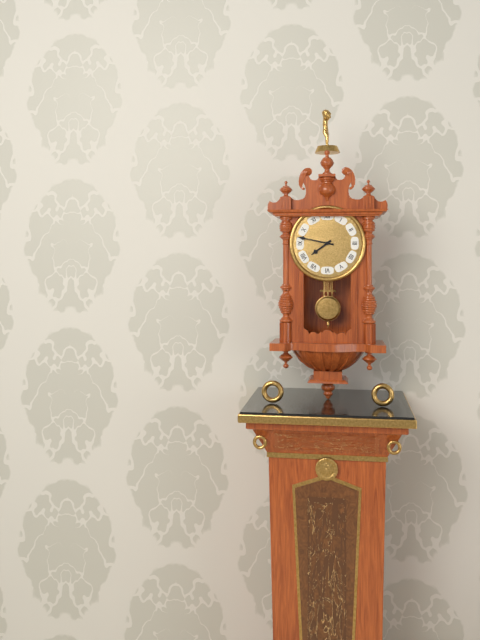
**7:47**
